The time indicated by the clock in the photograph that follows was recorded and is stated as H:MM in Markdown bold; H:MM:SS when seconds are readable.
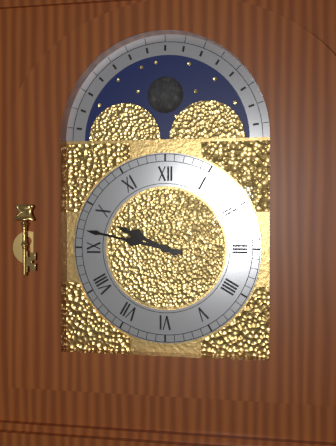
**9:47**
